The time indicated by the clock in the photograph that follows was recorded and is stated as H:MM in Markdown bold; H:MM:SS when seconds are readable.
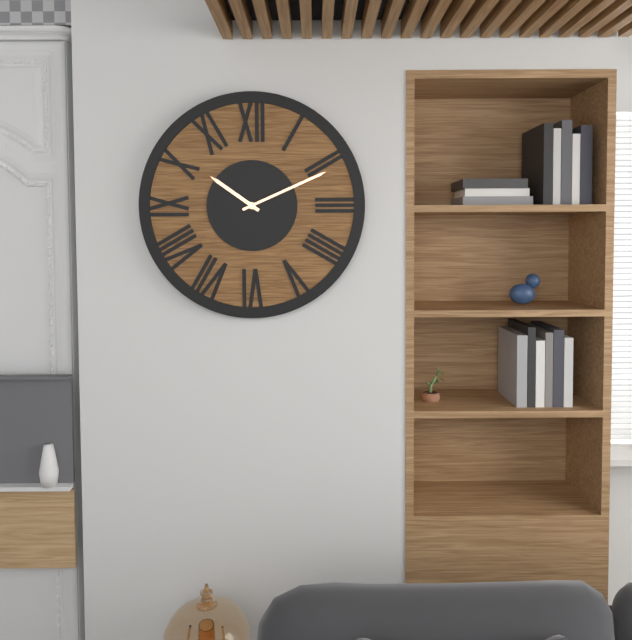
**10:11**
